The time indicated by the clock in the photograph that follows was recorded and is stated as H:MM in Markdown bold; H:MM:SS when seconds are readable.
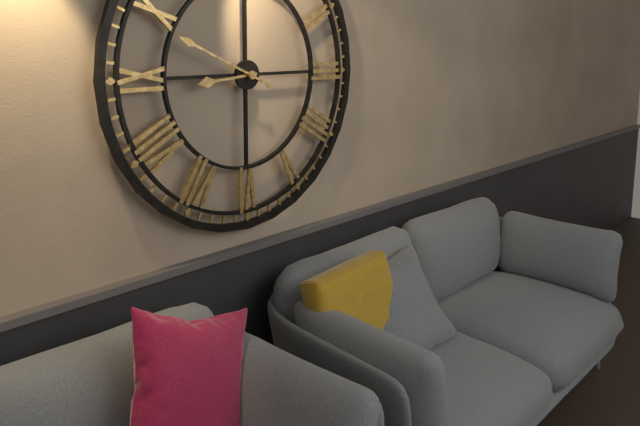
**8:49**
